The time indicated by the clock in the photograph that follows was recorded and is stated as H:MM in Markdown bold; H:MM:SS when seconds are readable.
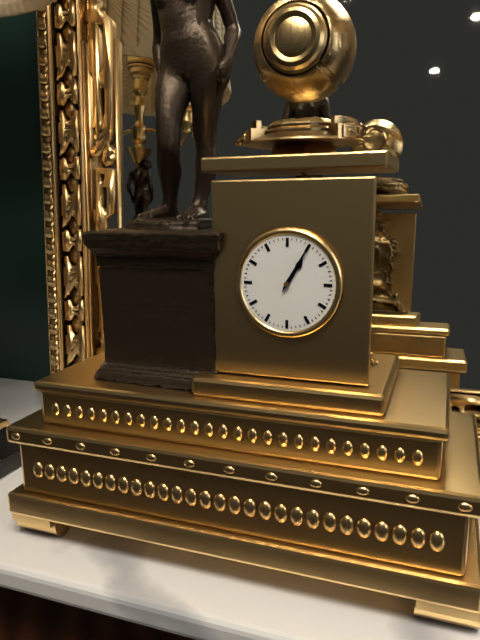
**1:05**
